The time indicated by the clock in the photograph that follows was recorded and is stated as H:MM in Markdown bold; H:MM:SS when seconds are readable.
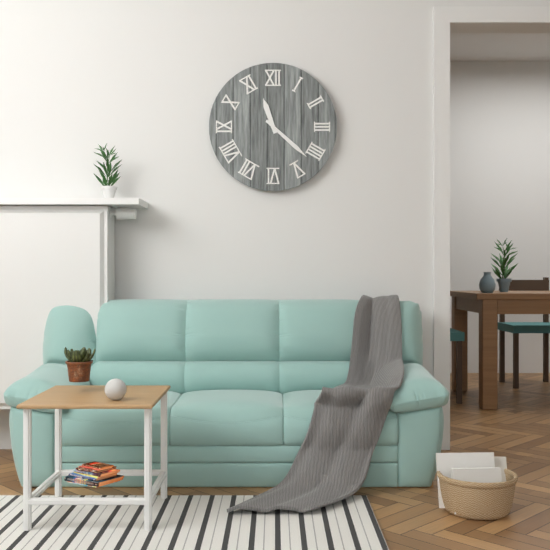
**11:22**
